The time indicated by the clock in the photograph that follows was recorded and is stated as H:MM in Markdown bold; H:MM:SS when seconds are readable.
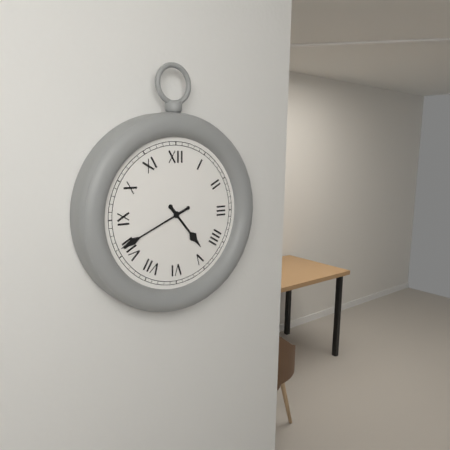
**4:41**
